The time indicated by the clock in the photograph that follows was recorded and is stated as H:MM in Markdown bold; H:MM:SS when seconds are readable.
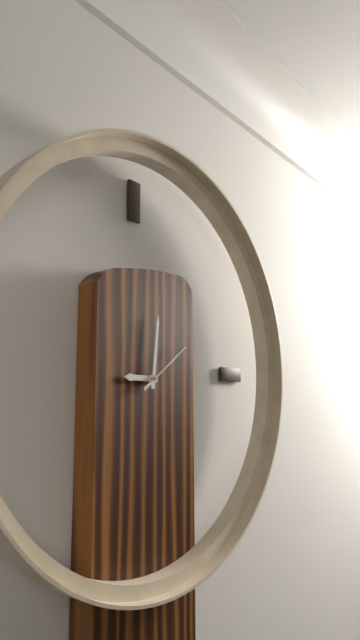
**9:01:09**
